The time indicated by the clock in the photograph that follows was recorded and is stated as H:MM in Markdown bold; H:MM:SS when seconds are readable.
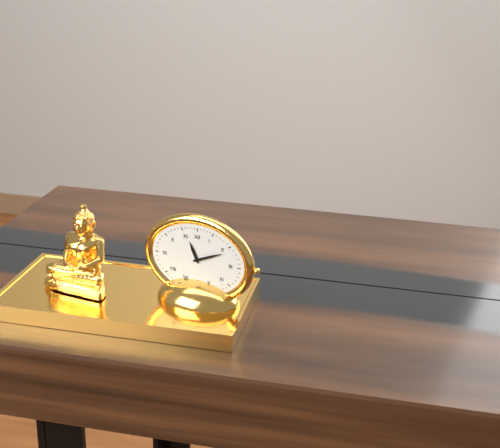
**11:11**
